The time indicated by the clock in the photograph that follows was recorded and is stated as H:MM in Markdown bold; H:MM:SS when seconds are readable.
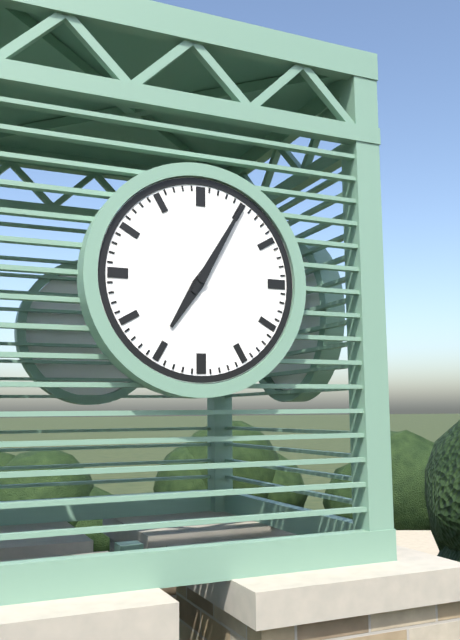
**7:05**
